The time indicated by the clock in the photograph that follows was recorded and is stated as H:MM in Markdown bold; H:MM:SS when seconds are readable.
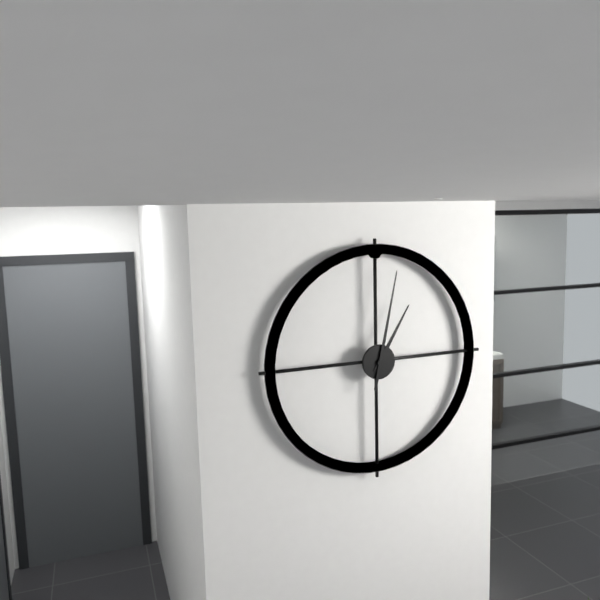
**1:02**
